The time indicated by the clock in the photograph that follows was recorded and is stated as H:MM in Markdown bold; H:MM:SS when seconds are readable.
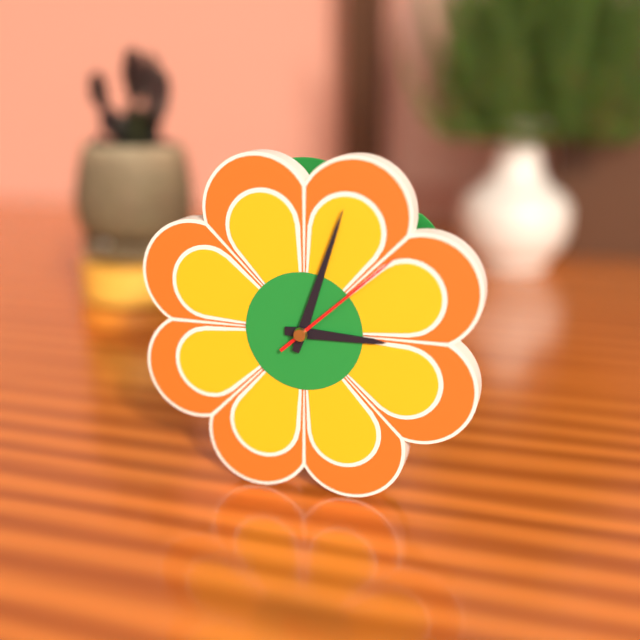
**3:03:08**
